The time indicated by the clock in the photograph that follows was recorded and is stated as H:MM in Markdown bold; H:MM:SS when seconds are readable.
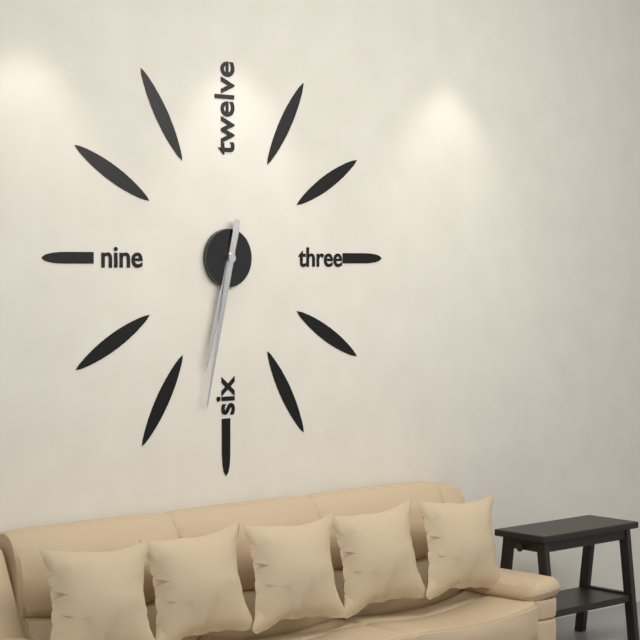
**6:32**
